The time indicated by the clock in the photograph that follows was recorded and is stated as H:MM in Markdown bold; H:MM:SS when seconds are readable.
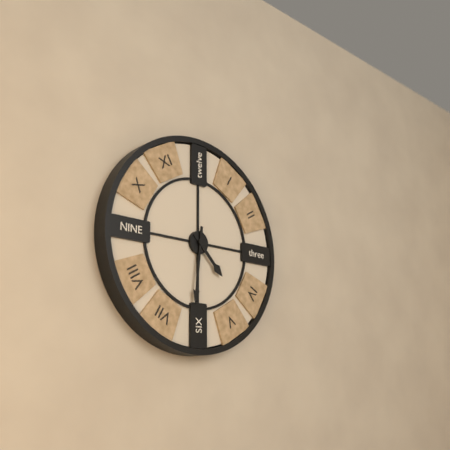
**4:31**
